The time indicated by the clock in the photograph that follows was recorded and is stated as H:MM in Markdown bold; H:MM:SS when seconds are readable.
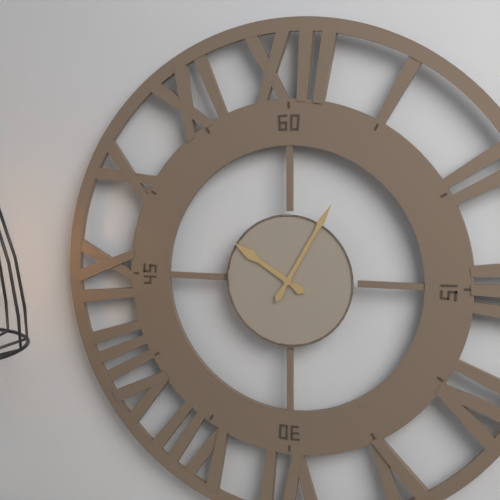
**10:05**
